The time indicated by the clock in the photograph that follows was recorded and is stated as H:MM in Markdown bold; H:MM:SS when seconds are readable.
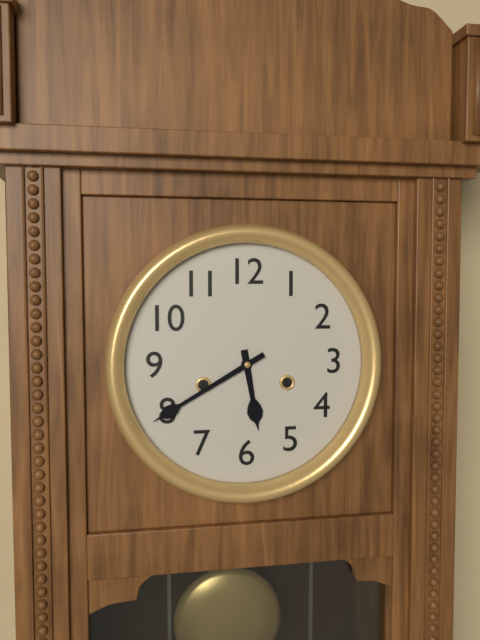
**5:40**
